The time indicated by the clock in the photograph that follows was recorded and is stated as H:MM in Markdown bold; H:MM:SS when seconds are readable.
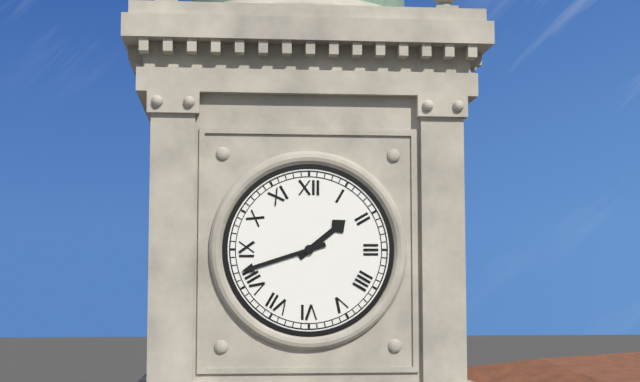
**1:42**
